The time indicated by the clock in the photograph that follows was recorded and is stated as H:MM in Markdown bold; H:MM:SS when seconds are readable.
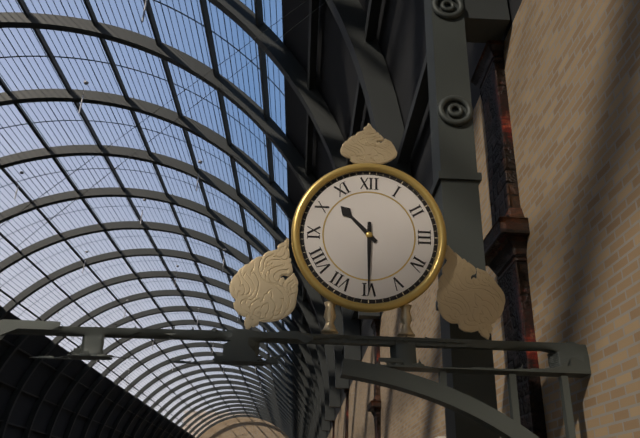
**10:30**
